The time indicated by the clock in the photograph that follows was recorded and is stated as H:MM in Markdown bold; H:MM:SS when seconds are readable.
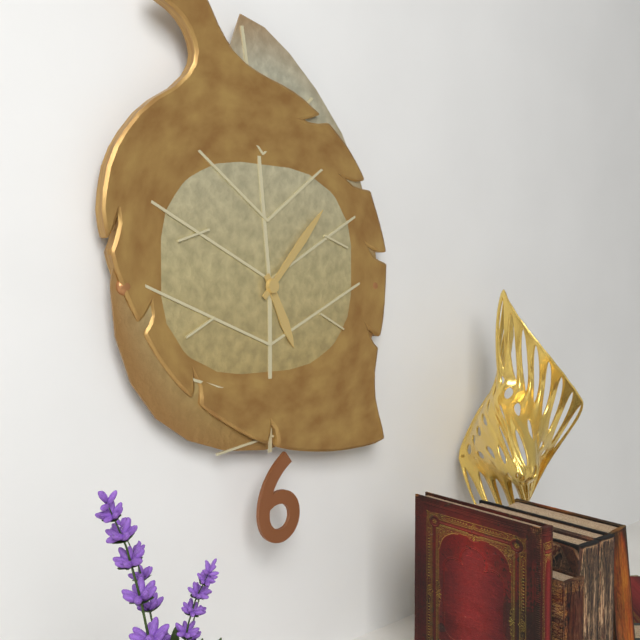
**5:07**
